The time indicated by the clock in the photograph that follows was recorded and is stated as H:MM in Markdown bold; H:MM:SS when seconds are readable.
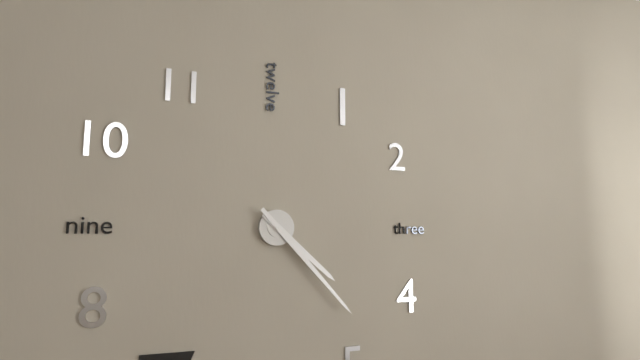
**4:23**
